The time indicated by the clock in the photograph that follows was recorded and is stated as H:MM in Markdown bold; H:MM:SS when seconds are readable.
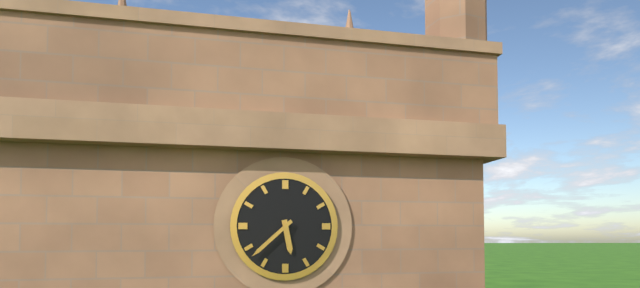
**5:38**
